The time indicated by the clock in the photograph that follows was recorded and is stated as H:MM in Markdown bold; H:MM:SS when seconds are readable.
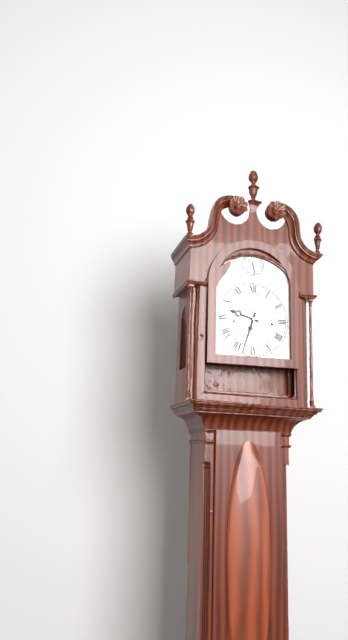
**9:33**
